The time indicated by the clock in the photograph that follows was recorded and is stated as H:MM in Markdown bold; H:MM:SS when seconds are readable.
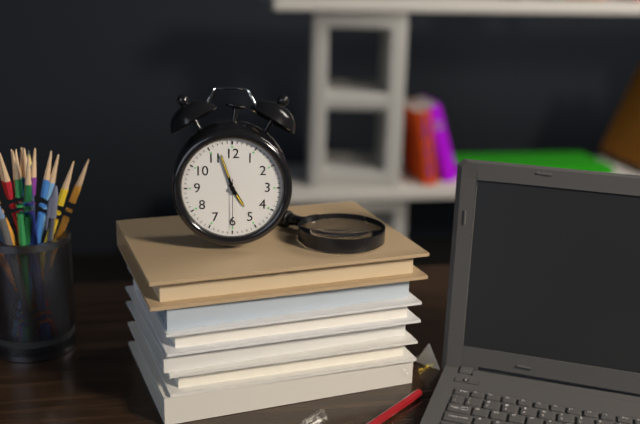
**4:57**
